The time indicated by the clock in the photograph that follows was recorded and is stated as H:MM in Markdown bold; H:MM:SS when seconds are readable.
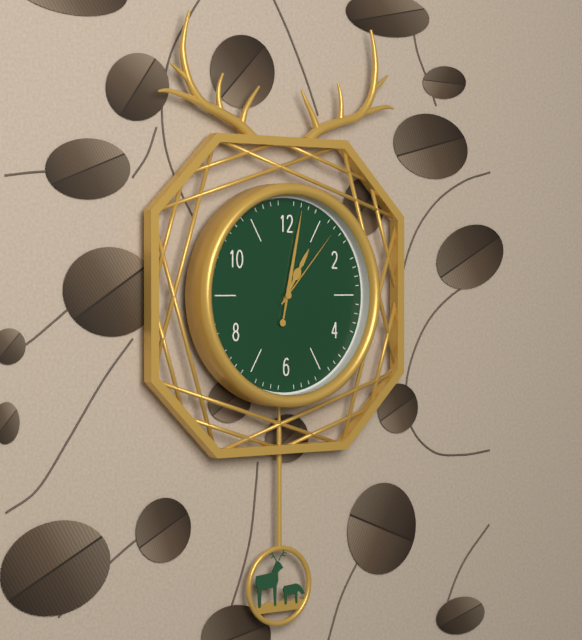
**1:02:07**
